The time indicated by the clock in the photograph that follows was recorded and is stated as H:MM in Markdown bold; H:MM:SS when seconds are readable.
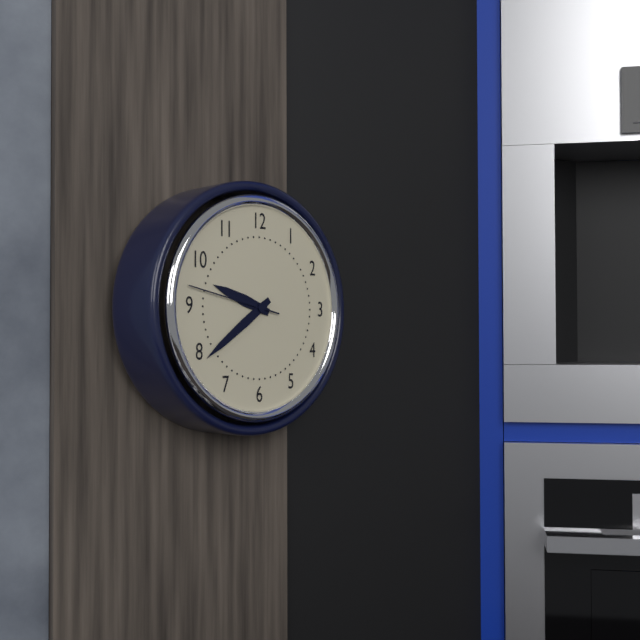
**9:39:47**
